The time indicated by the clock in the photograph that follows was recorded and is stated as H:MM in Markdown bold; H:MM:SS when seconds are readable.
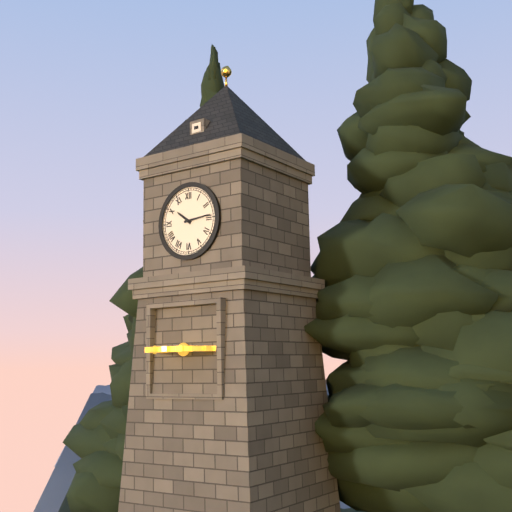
**10:14**
